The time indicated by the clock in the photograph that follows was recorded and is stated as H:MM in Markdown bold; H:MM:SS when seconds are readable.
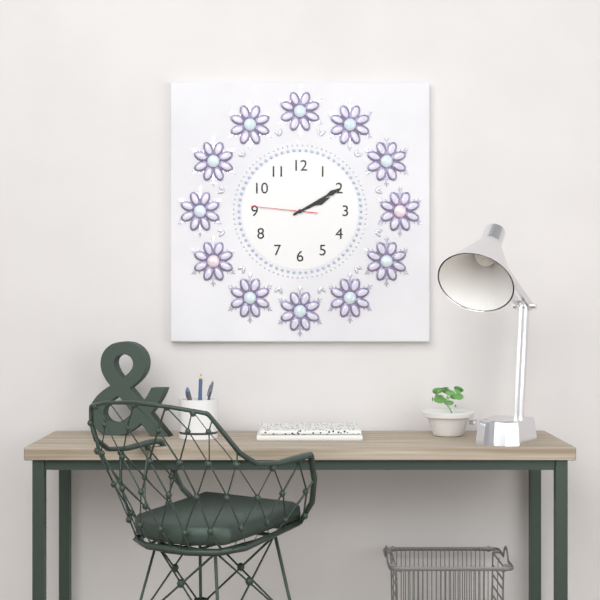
**2:10:46**
